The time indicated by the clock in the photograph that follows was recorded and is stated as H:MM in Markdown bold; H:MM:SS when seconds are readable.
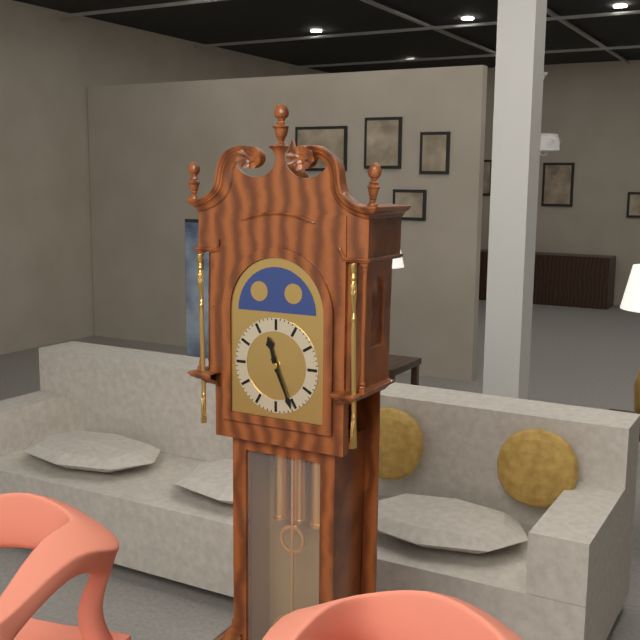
**11:26**
